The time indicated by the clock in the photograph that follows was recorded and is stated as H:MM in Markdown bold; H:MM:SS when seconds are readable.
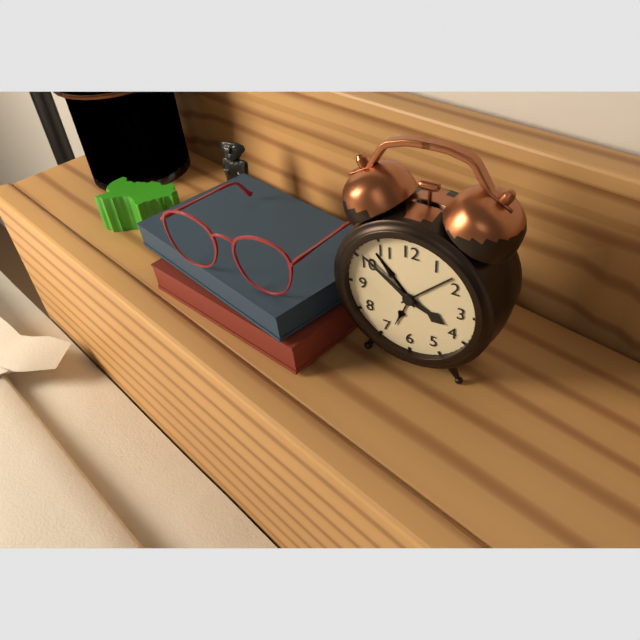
**3:51**
